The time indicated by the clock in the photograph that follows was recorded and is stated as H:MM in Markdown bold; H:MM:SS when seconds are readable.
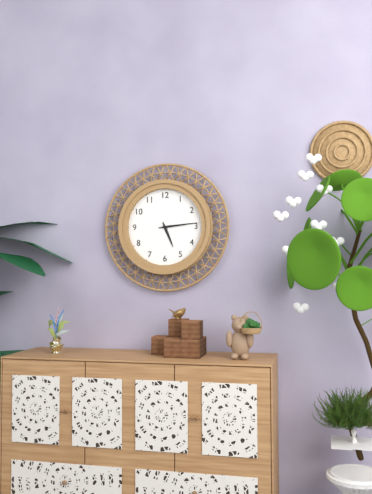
**5:14**
